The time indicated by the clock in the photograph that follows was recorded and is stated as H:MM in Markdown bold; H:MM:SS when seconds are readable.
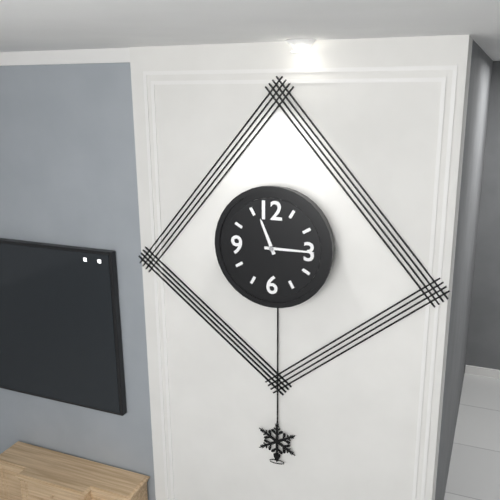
**11:15**
